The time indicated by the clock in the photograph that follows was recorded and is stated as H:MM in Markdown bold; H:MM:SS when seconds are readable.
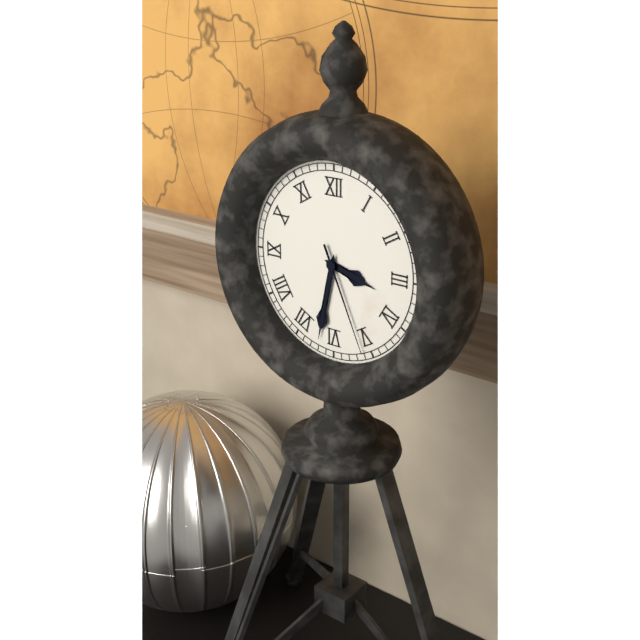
**3:32:26**
